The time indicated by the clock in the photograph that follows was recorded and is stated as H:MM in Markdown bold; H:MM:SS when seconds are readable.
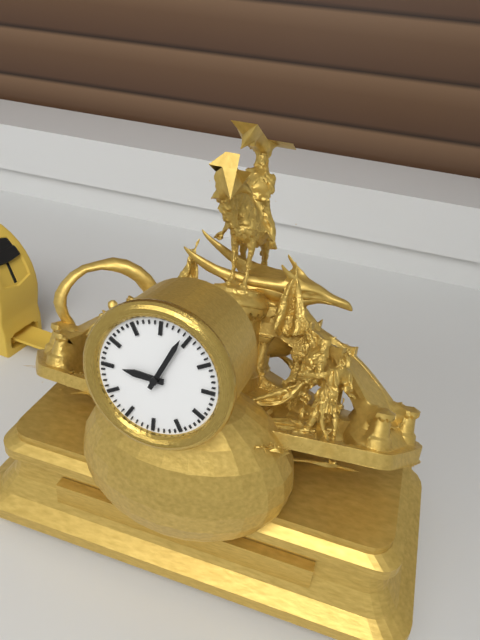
**9:04**
